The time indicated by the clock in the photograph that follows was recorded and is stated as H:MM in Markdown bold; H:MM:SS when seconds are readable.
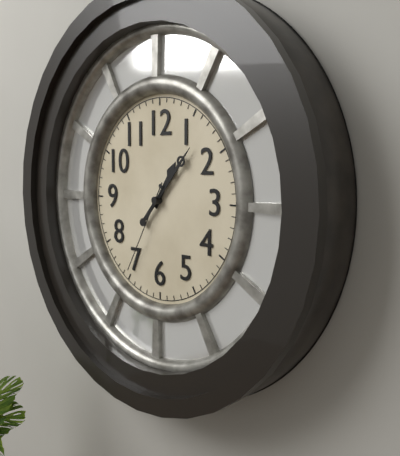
**1:07:35**
